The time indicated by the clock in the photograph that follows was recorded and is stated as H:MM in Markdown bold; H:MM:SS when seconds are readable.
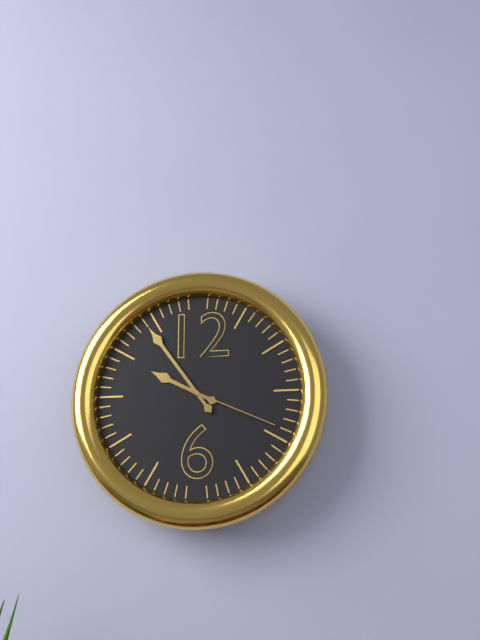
**9:54:19**
